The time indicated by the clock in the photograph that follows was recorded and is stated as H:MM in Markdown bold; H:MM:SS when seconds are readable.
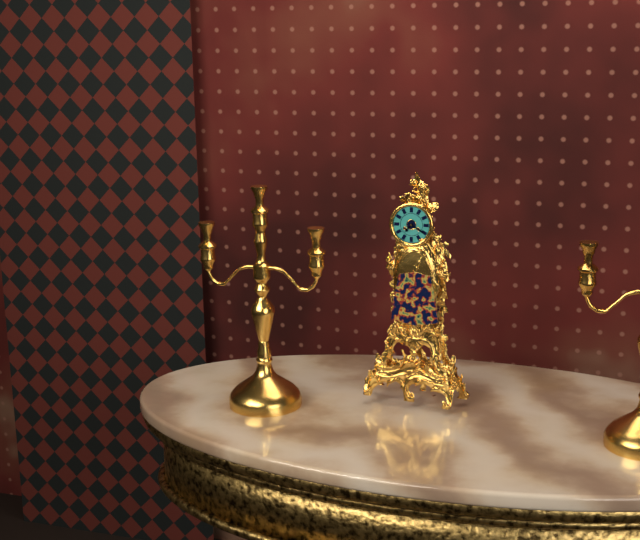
**7:20**
